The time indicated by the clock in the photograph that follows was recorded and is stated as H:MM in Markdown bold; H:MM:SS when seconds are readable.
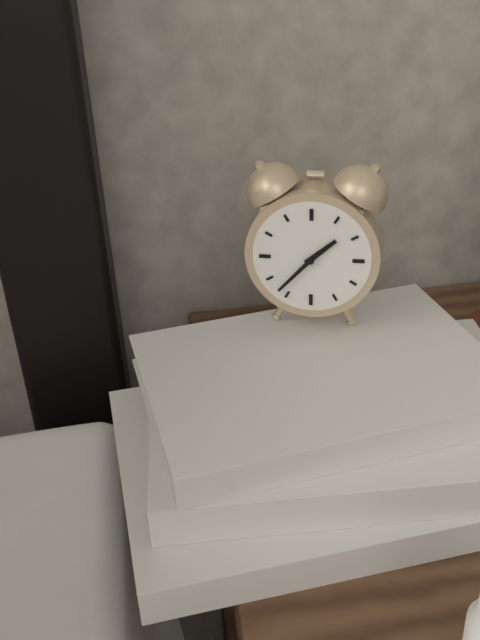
**1:37**
